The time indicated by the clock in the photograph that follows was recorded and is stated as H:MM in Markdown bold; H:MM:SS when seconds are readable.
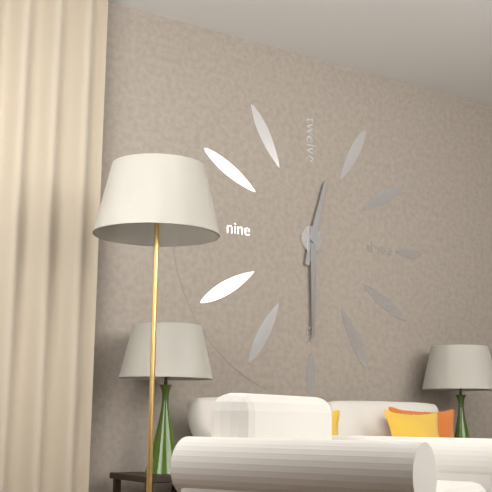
**12:30**
